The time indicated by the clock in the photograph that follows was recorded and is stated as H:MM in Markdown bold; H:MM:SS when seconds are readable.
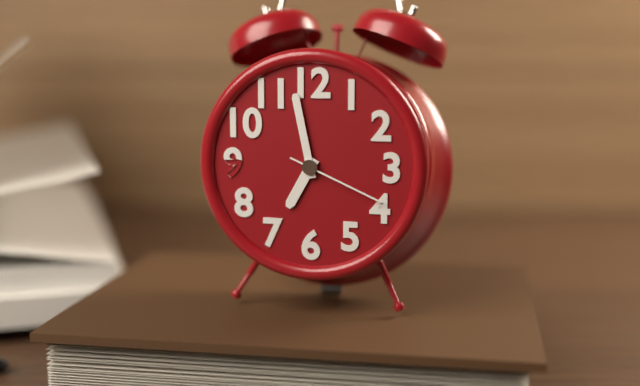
**6:58:19**
